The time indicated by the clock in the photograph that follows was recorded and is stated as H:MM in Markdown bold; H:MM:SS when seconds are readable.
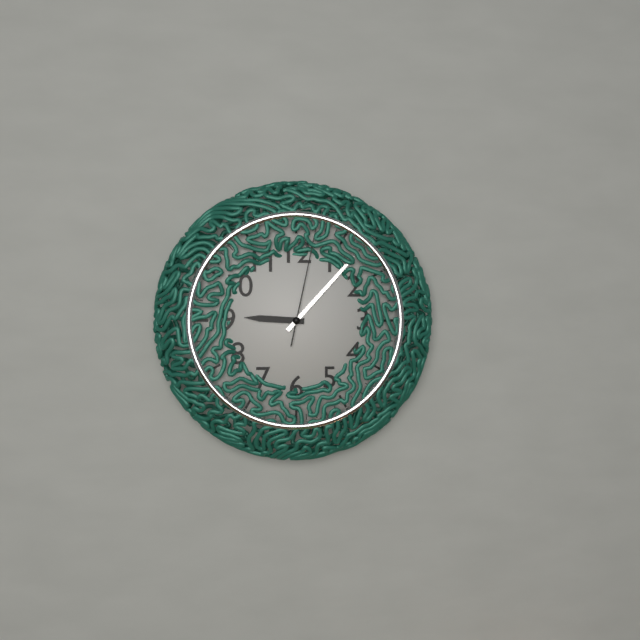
**9:07:02**
